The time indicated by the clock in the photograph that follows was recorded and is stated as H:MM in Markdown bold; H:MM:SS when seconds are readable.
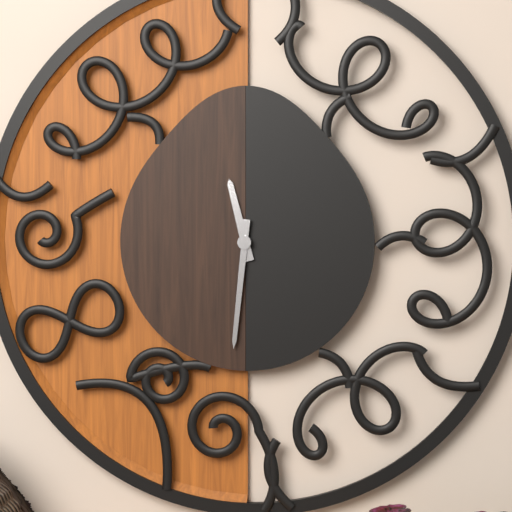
**11:31**
